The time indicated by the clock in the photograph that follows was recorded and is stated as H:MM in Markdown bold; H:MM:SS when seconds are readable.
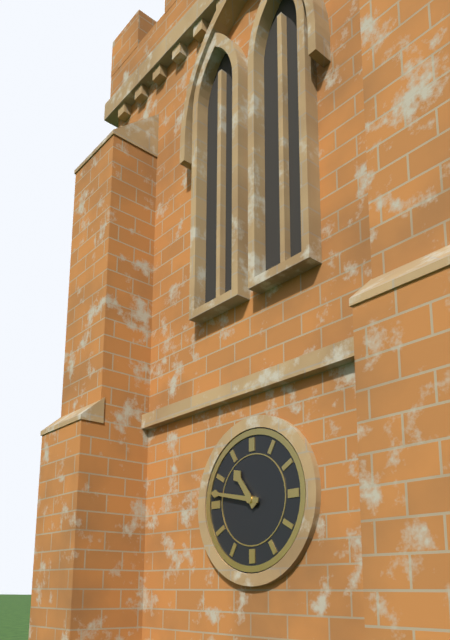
**10:47**
